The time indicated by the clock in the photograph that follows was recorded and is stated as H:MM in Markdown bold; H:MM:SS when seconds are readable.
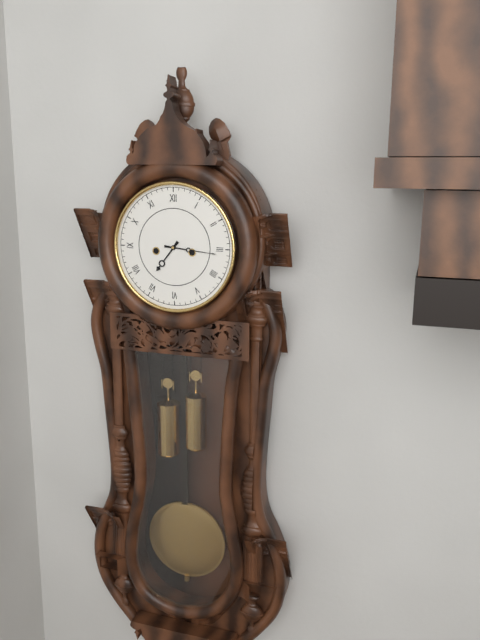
**7:16**
